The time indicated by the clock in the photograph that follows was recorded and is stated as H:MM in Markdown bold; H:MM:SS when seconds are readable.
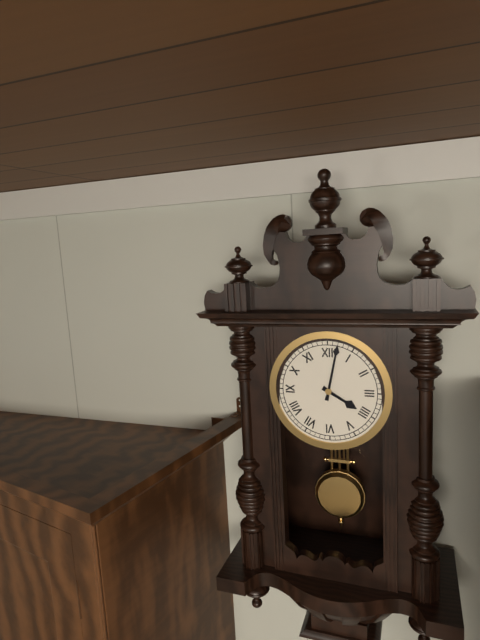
**4:02**
